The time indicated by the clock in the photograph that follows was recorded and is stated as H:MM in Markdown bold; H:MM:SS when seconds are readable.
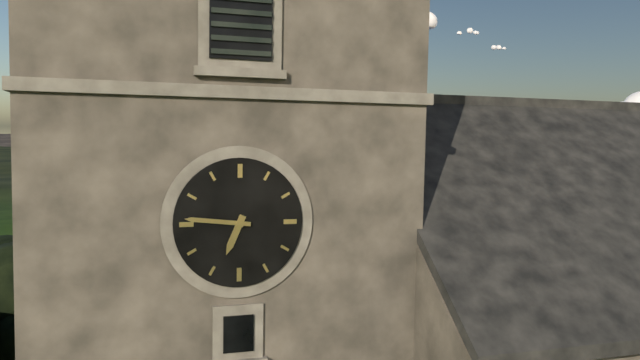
**6:46**
